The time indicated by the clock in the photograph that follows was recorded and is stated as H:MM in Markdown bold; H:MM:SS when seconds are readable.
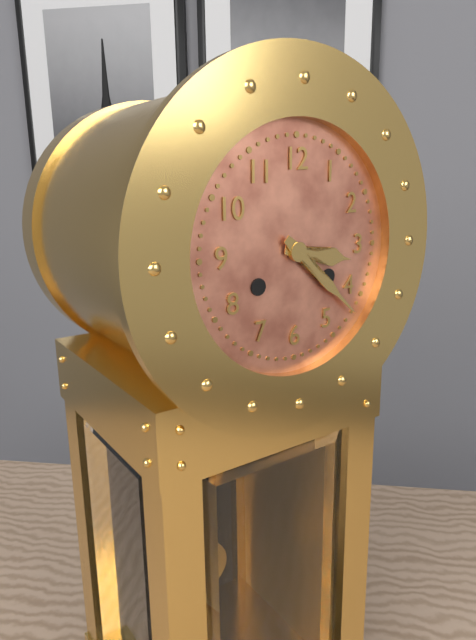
**3:22**
